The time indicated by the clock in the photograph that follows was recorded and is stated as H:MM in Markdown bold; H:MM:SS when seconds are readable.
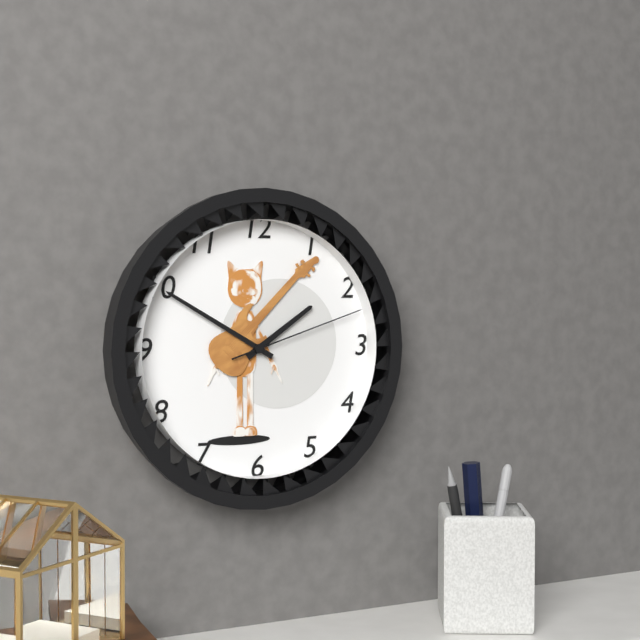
**1:50:12**
